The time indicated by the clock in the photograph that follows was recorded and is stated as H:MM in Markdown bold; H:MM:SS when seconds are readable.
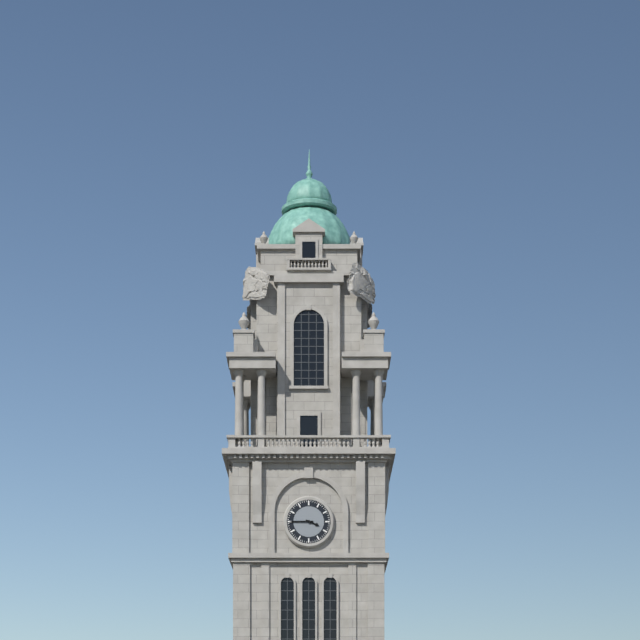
**3:45**
